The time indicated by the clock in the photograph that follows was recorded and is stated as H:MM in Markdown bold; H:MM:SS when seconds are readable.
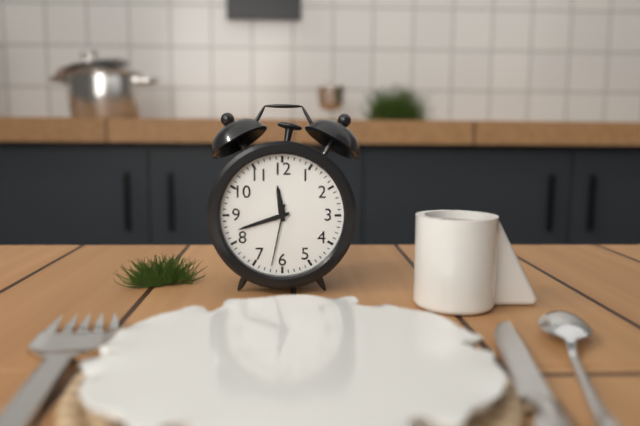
**11:42:32**
